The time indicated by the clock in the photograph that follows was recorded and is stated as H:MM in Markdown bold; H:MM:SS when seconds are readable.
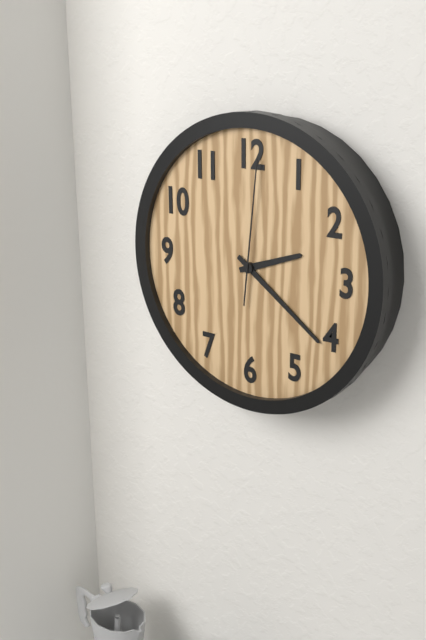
**2:21:01**
